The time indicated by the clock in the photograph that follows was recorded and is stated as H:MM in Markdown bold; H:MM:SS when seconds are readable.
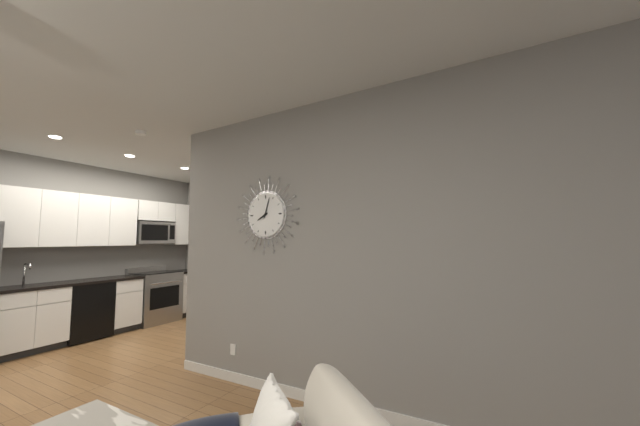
**8:03**
